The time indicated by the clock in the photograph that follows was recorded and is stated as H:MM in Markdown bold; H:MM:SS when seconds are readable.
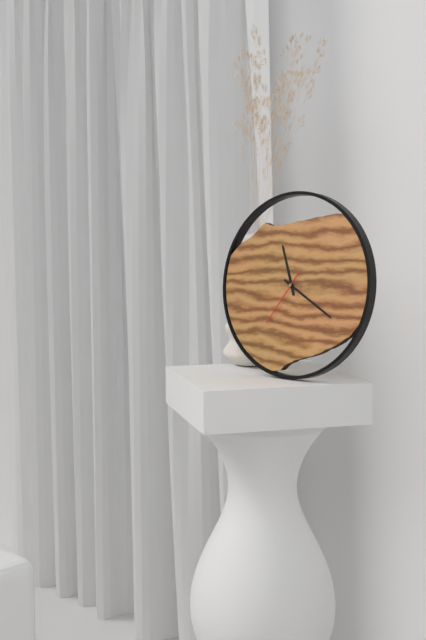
**11:20:36**
